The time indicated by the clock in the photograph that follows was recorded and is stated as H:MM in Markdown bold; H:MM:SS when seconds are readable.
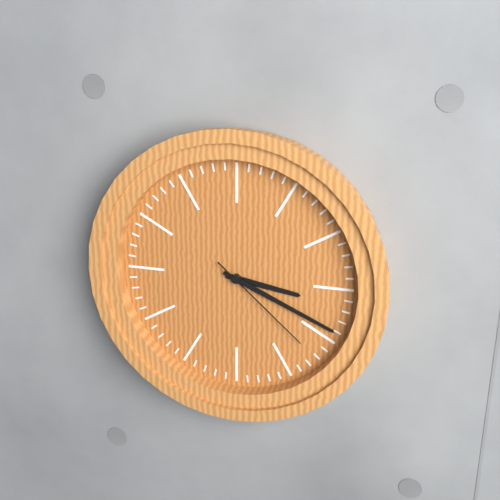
**3:19:22**
